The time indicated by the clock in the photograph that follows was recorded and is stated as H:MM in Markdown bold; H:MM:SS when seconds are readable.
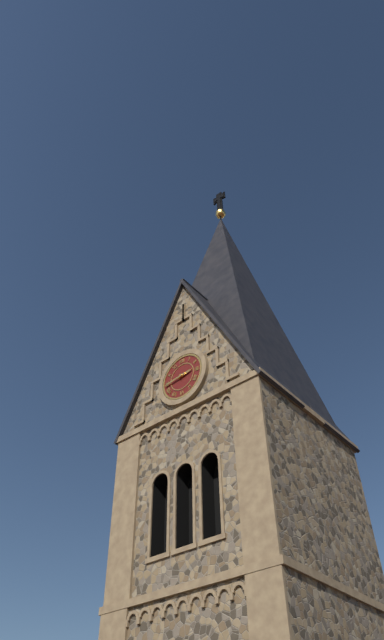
**2:44**
